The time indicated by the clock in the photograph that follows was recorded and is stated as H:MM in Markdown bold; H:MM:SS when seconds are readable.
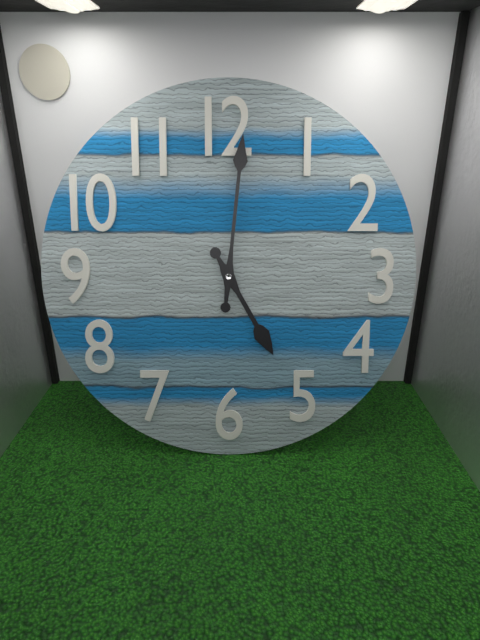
**5:01**
